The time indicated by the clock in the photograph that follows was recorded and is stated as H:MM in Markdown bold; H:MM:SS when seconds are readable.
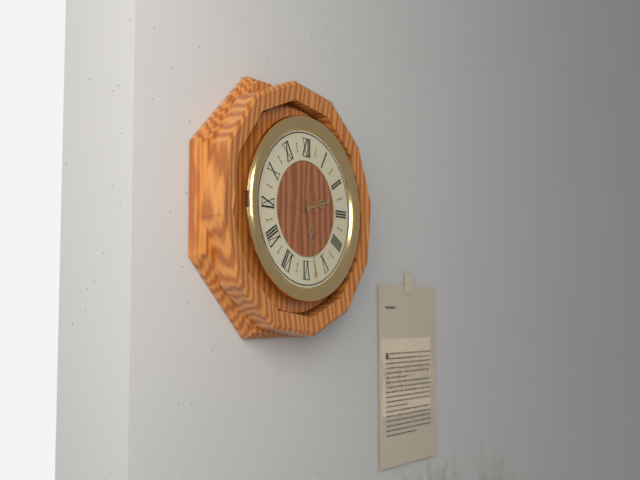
**2:28**
